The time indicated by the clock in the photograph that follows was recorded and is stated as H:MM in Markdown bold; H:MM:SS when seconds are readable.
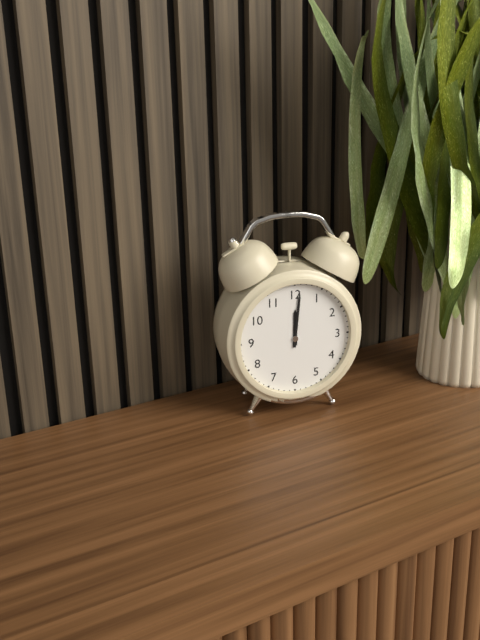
**12:01**
